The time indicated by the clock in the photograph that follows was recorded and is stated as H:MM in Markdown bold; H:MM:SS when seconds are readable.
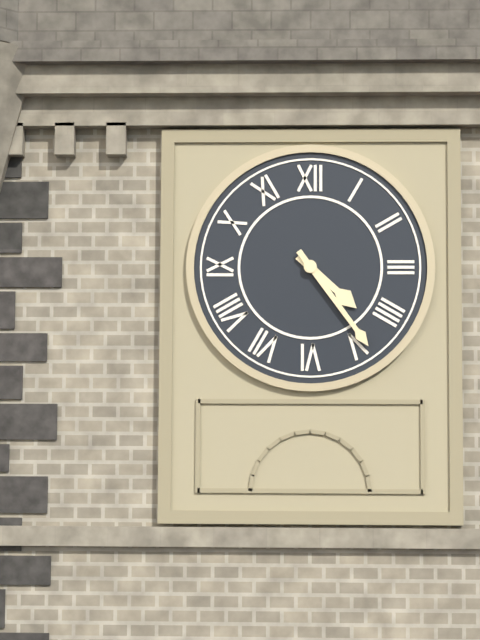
**4:24**
